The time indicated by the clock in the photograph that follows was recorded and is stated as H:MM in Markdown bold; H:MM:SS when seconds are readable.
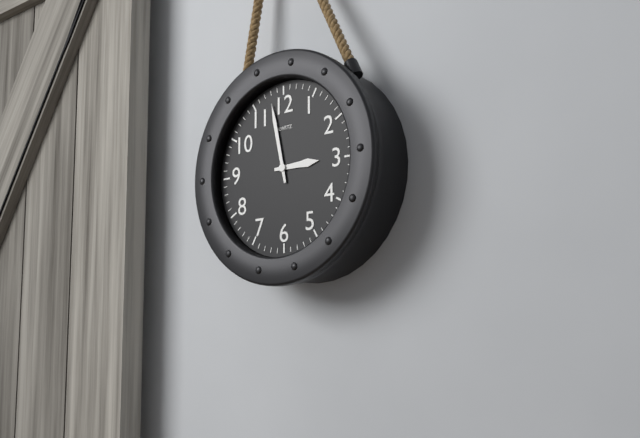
**2:58**
